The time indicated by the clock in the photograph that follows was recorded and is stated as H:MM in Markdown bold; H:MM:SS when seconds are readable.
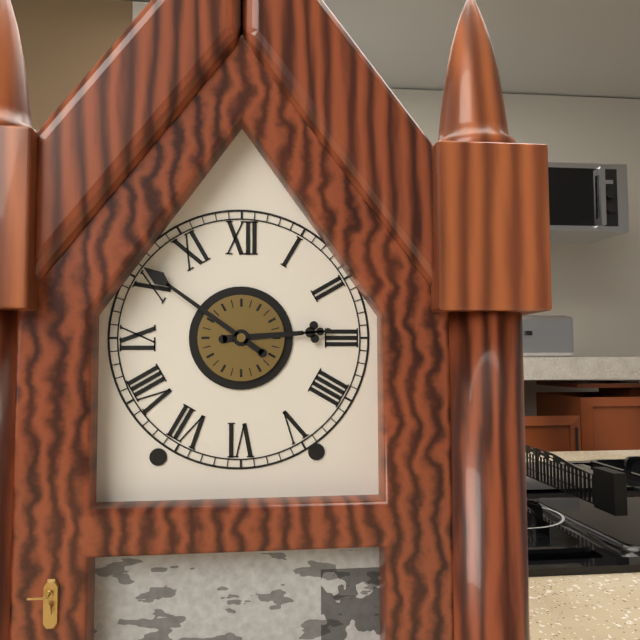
**2:51**
